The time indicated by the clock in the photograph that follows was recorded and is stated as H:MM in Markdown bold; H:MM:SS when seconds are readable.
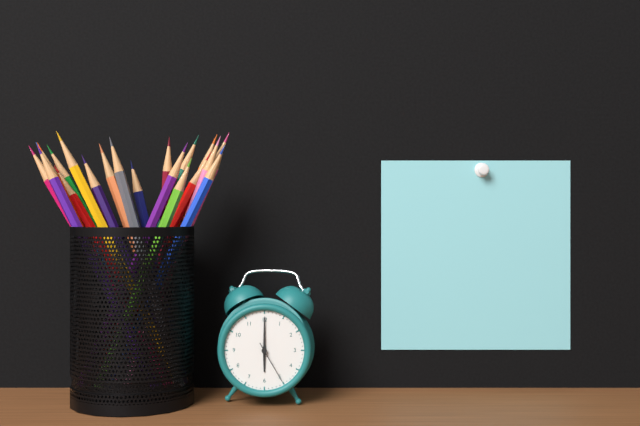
**6:00**
